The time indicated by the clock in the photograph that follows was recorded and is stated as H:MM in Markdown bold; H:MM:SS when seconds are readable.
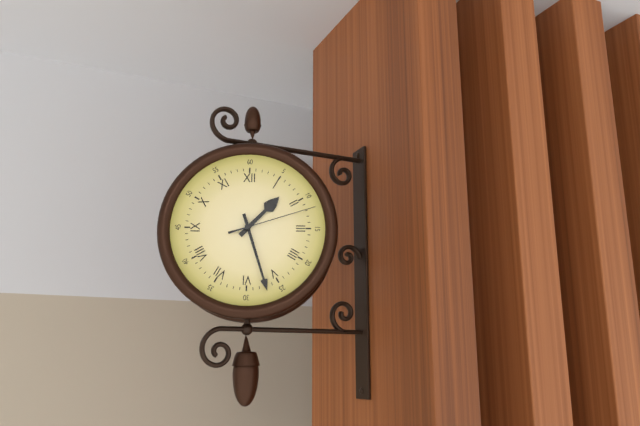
**1:27:12**
